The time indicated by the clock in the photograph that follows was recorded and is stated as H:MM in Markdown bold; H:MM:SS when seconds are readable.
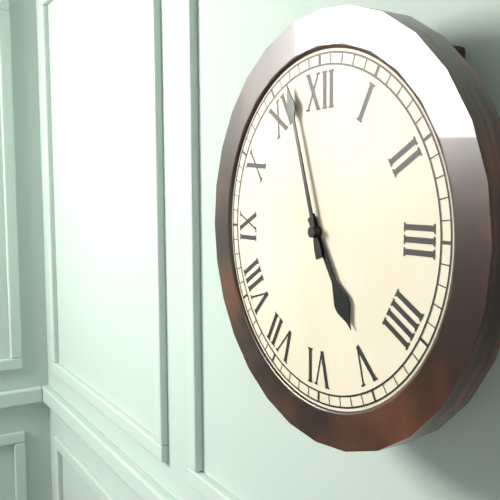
**4:57**
